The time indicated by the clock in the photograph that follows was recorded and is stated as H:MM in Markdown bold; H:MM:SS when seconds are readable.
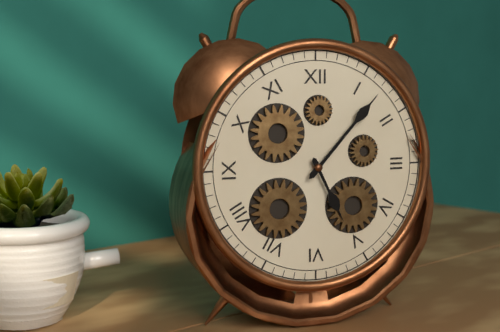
**5:07**
